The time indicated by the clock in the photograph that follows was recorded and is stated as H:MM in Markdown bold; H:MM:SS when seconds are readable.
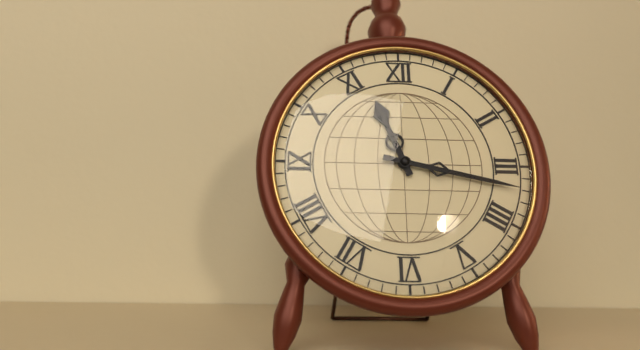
**11:17**
